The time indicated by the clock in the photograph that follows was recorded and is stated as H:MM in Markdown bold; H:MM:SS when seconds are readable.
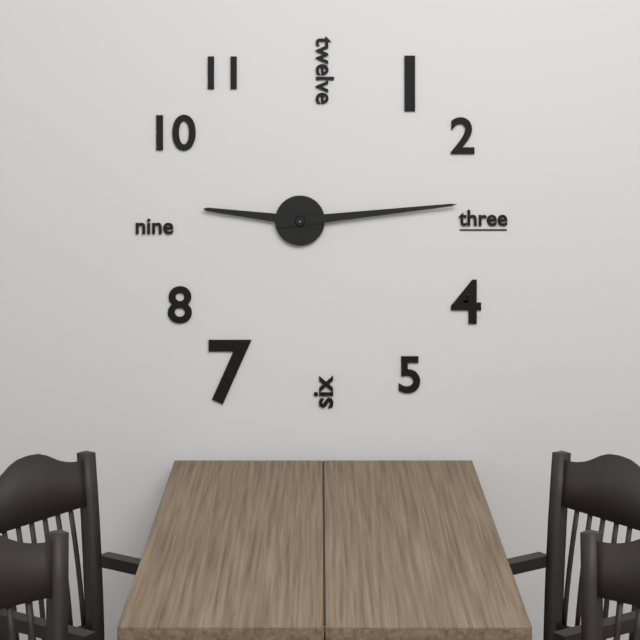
**9:14**
